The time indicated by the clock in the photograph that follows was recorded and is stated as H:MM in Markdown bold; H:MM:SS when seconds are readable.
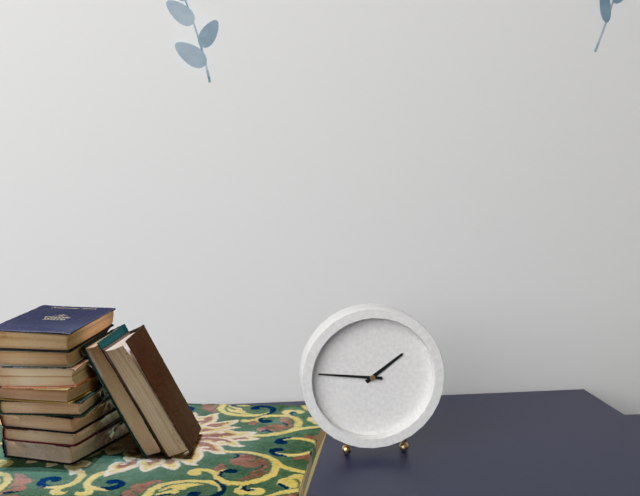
**1:46**
